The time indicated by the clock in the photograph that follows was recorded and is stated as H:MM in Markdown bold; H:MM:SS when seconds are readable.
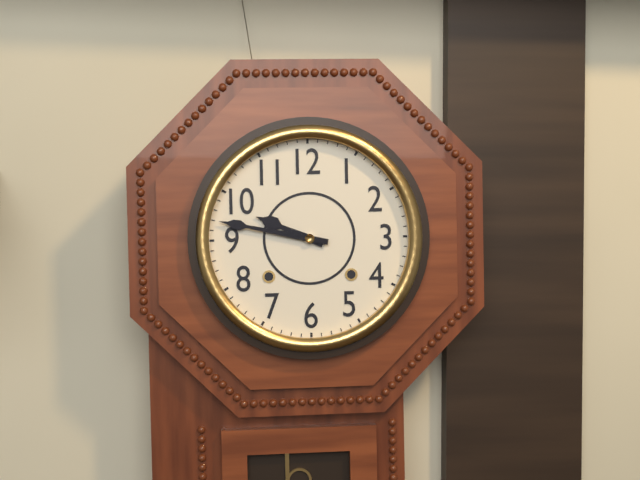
**9:47**
